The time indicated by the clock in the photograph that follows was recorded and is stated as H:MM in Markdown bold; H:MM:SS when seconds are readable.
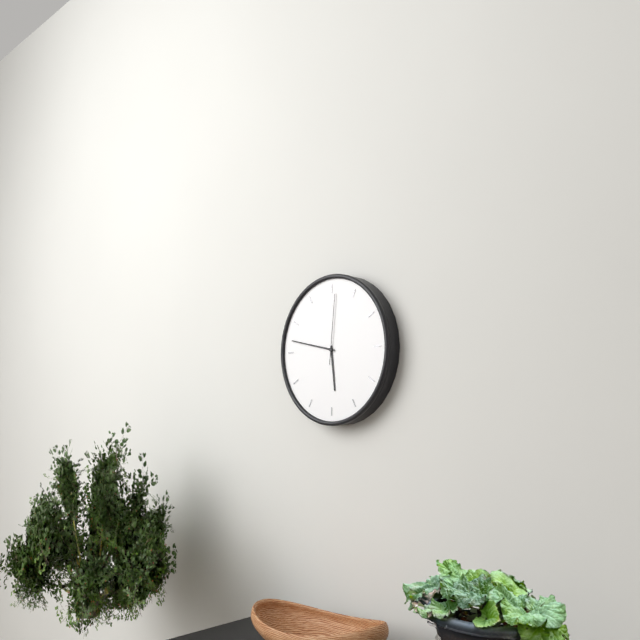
**5:47:01**
